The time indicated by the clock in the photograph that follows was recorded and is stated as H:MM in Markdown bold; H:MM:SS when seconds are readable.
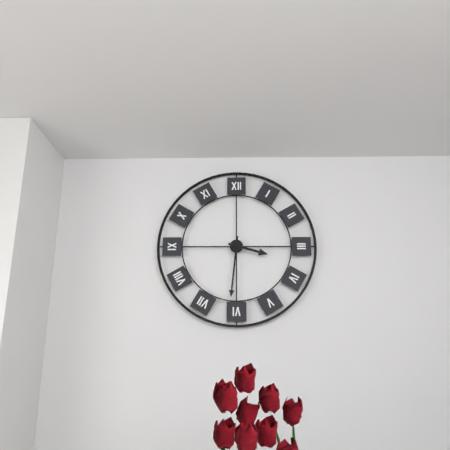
**3:31**
